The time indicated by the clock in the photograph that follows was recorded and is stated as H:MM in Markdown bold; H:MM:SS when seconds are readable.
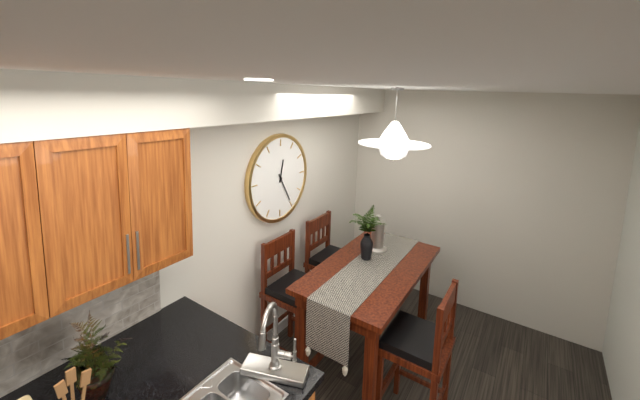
**12:25**
